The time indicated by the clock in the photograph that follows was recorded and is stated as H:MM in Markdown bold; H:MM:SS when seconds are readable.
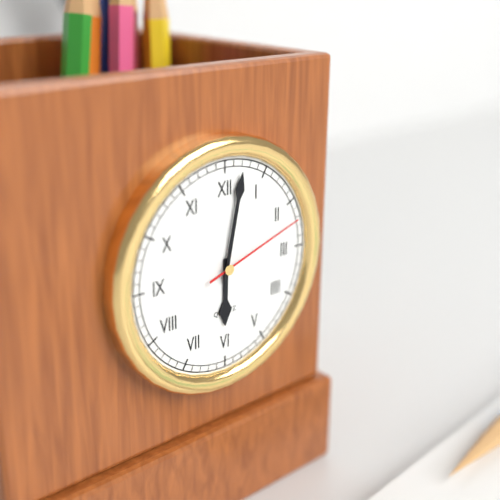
**6:02:12**
